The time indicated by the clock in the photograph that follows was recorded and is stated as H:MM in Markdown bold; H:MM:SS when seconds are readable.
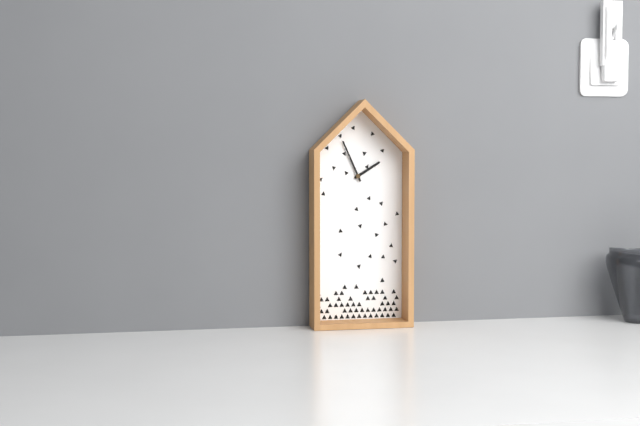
**1:56**
